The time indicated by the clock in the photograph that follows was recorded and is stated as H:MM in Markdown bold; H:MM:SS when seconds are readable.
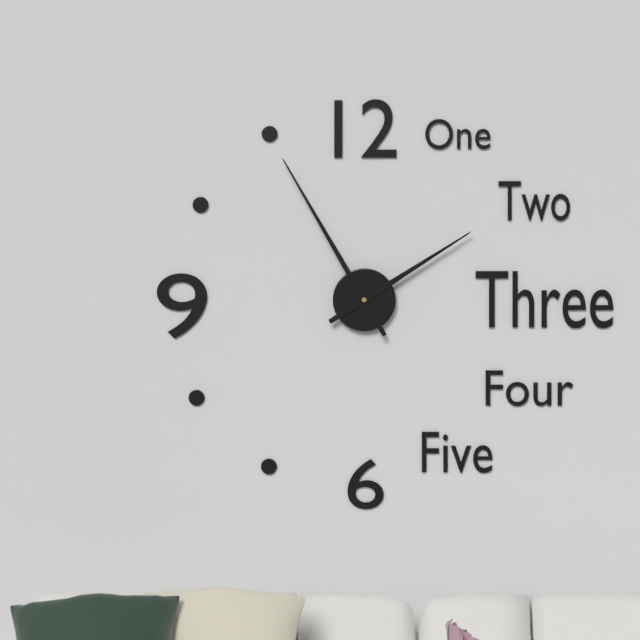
**1:55**
